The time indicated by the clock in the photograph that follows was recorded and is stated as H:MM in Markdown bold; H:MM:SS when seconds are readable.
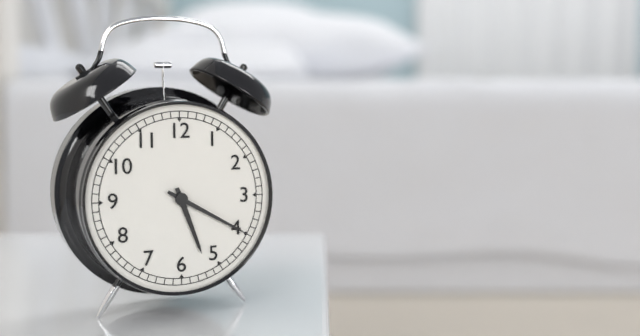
**5:20**
